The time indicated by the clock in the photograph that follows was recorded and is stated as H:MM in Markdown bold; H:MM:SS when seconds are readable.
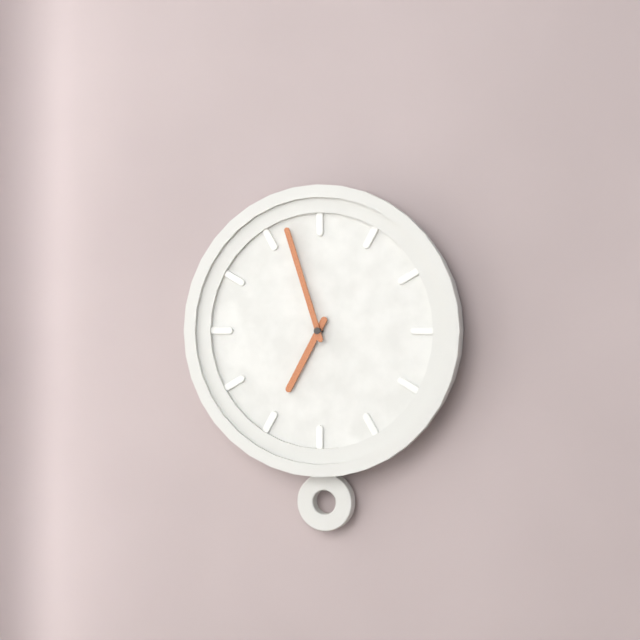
**6:57**
